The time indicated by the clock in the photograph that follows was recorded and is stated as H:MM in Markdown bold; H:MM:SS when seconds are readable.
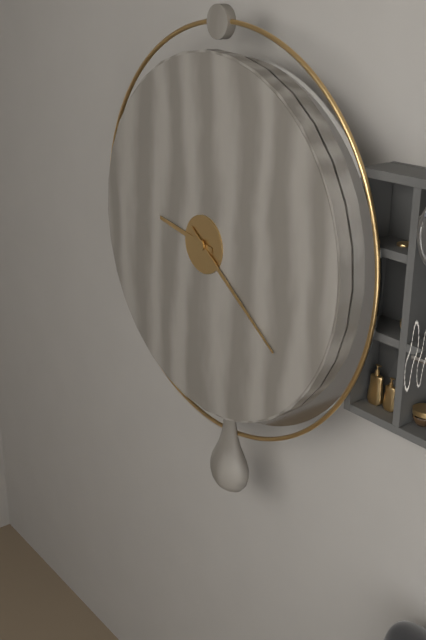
**9:21**
